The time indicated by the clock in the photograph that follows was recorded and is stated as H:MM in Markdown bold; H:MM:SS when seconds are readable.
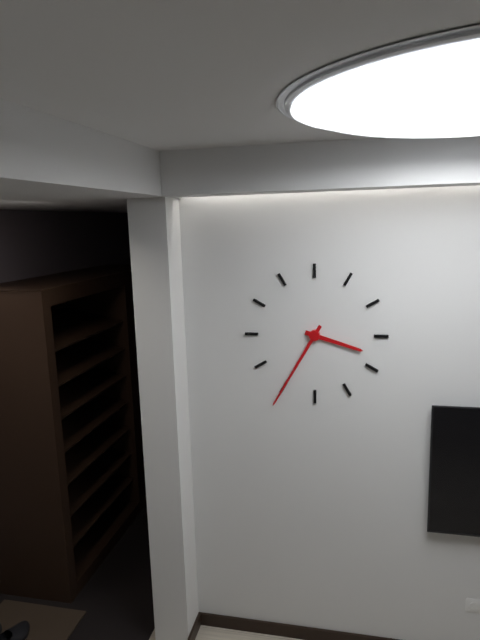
**3:35**
